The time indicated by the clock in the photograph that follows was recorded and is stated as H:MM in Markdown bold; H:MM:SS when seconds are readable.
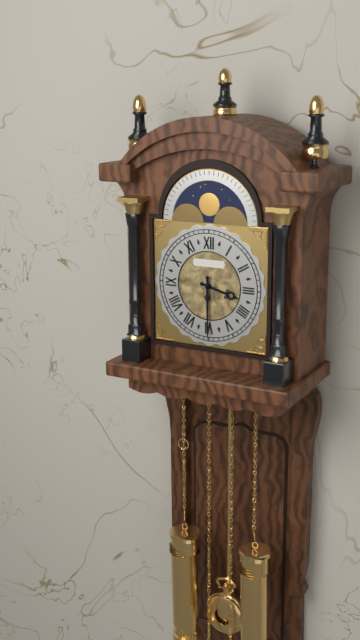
**3:30**
